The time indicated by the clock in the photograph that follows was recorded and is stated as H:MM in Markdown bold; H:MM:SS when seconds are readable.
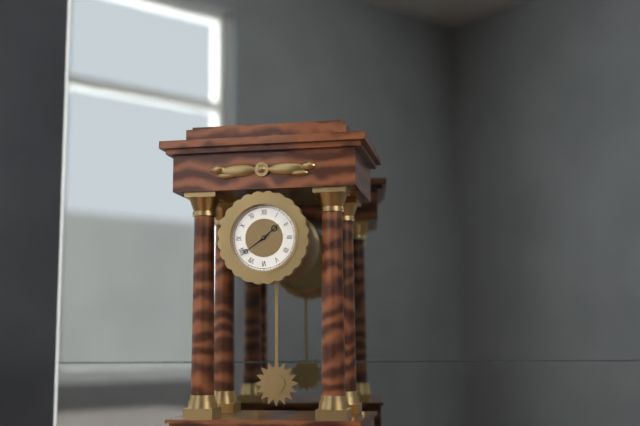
**1:39**
